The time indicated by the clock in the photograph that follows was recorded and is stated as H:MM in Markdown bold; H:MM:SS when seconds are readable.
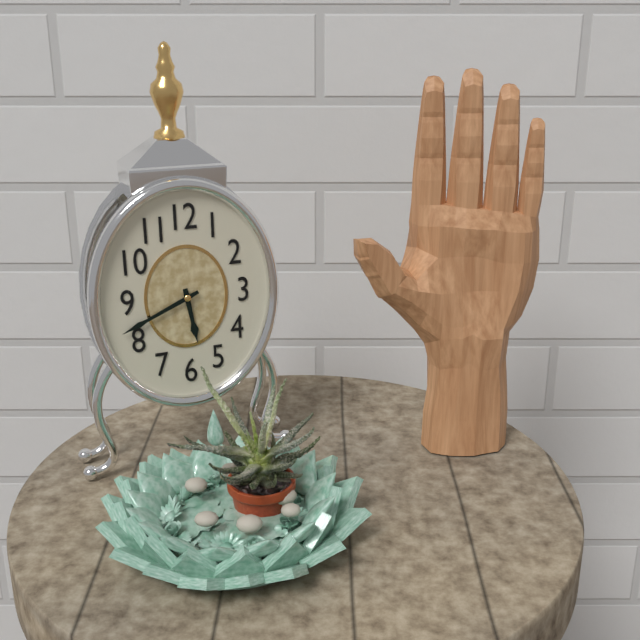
**5:41**
